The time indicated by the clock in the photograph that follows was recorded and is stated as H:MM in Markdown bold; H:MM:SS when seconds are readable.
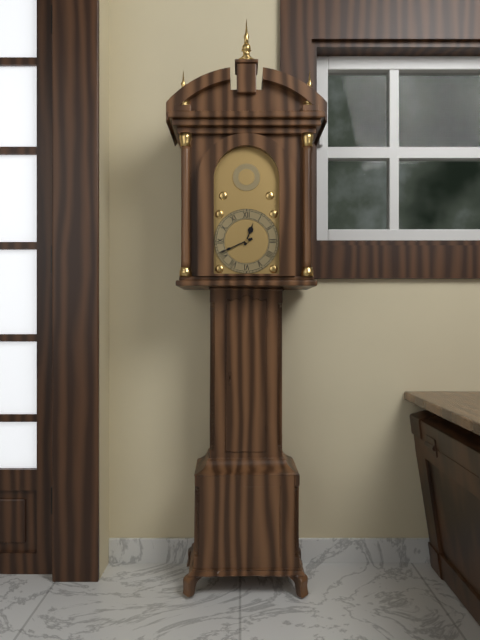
**12:41**
